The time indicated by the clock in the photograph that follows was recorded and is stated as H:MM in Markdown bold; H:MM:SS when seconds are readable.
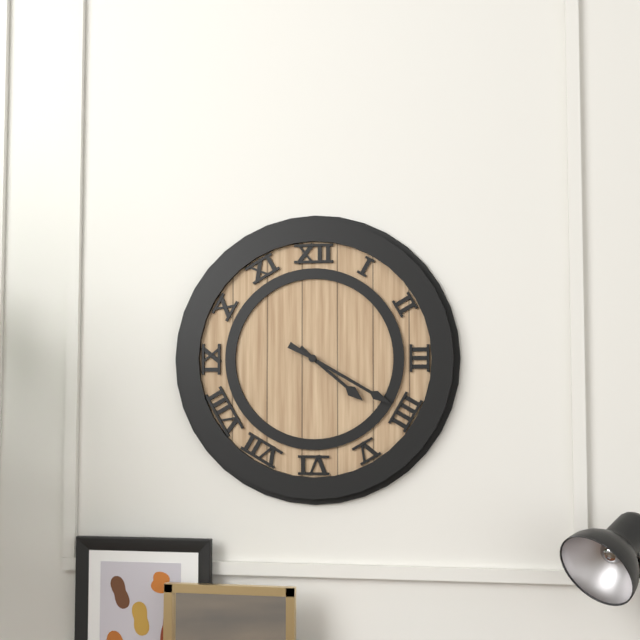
**4:20**
